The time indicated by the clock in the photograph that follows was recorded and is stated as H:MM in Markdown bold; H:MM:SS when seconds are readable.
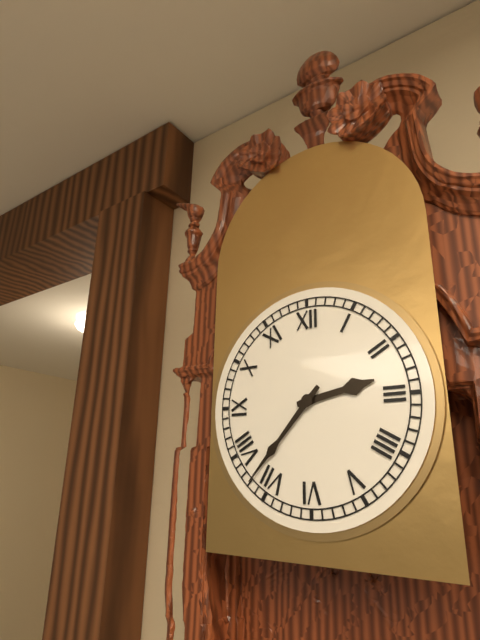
**2:37**
